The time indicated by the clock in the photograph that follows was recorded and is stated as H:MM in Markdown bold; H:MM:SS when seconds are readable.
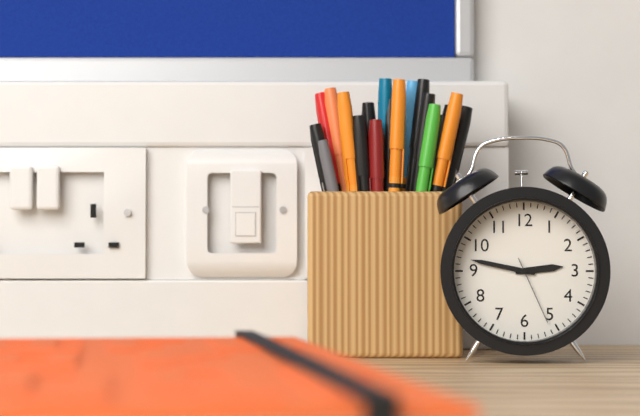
**2:47:26**
